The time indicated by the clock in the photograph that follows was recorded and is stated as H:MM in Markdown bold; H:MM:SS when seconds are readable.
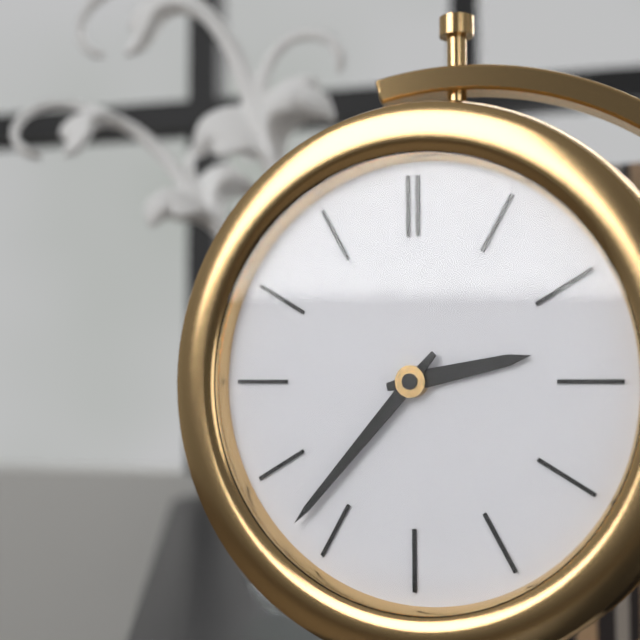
**2:37**
